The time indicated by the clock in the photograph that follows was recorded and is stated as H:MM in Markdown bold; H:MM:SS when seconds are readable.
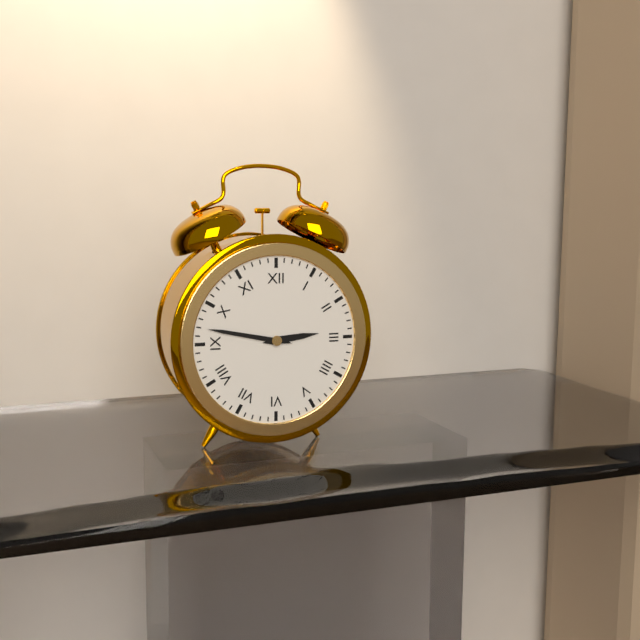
**2:47**
